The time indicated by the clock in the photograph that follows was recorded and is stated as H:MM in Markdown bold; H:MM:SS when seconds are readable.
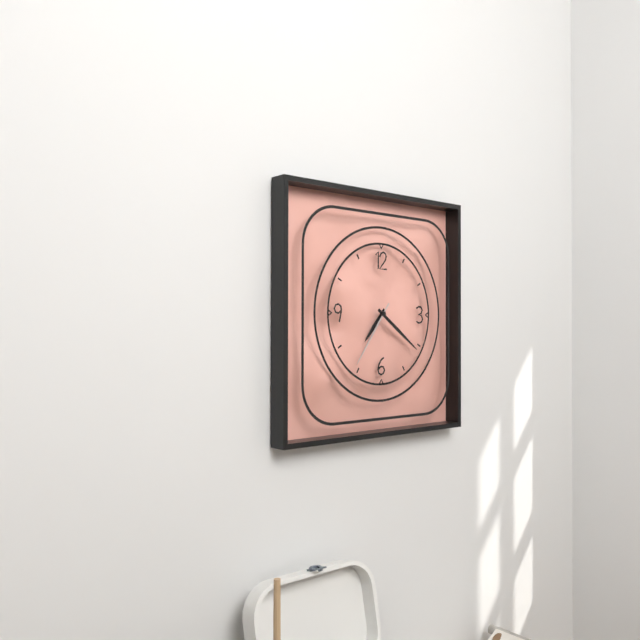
**7:21:36**
